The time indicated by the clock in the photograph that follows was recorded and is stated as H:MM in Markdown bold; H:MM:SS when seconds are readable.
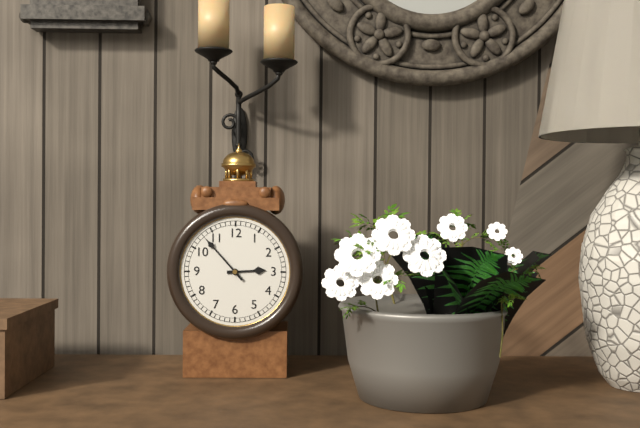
**2:53**
